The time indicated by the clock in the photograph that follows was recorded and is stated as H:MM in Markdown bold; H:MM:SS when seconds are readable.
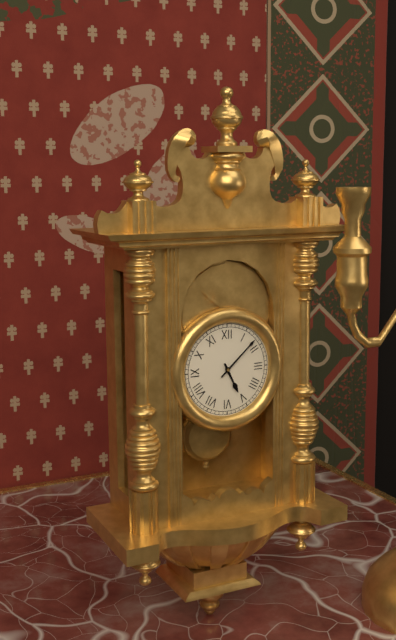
**5:08**
